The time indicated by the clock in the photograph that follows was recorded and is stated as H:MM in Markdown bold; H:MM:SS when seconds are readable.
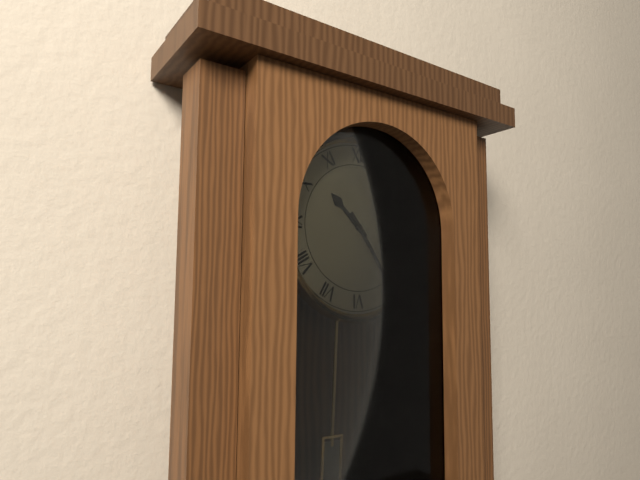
**10:24**
